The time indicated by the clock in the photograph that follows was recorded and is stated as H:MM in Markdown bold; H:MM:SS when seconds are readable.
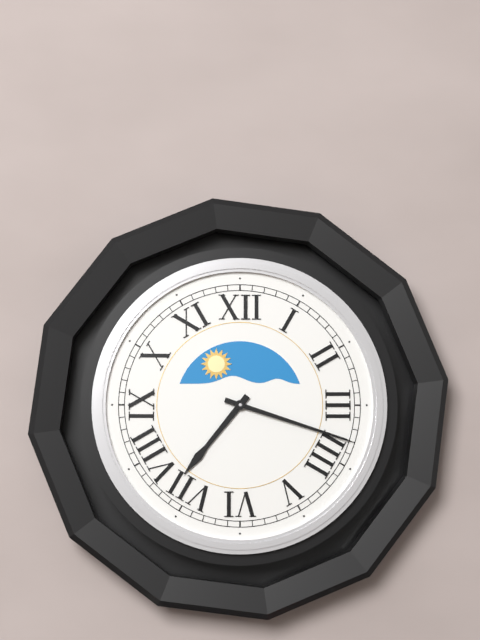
**7:18**
